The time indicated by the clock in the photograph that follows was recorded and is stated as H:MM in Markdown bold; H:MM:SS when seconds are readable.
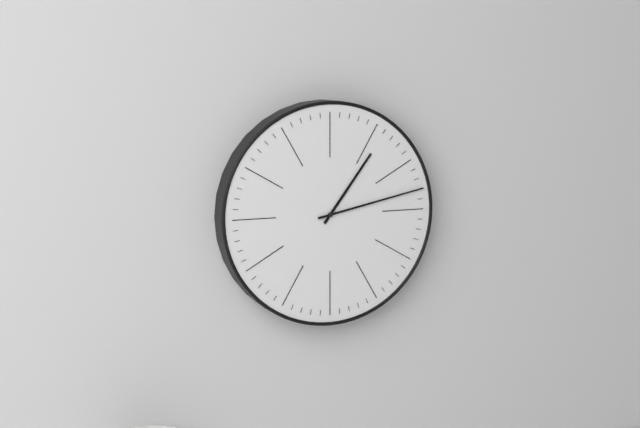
**1:13**
